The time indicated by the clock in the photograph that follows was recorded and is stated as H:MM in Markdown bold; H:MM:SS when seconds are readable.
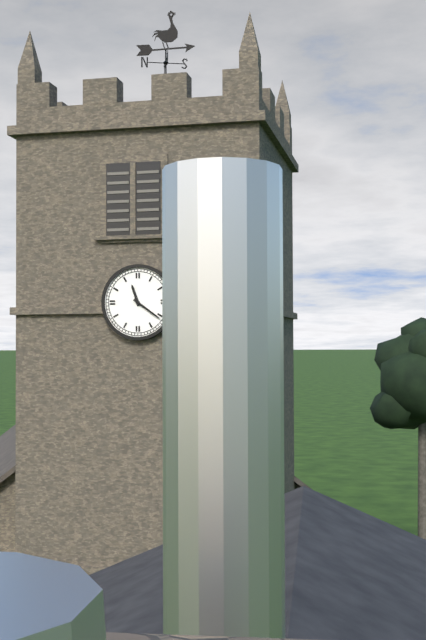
**11:21**
